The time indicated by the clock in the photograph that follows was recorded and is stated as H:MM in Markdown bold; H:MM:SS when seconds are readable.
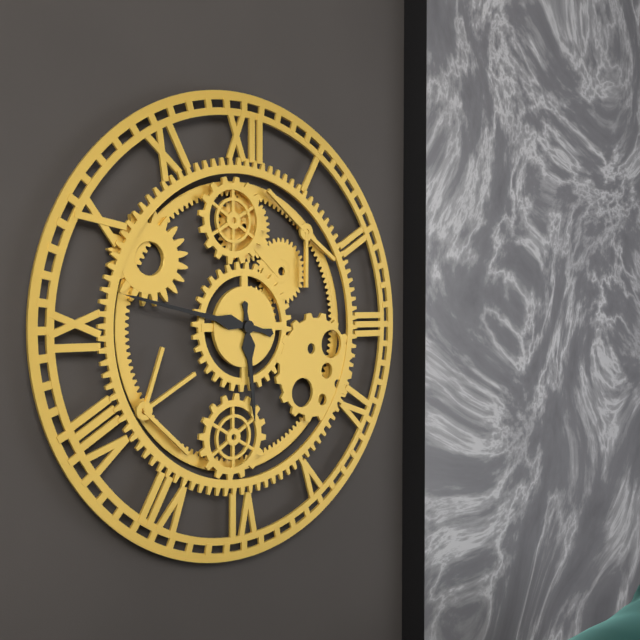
**5:47**
